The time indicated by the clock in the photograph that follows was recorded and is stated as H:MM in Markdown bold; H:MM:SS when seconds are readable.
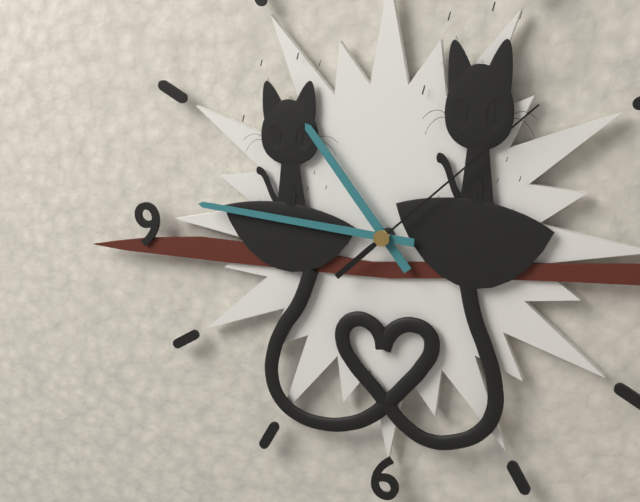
**10:46:08**
